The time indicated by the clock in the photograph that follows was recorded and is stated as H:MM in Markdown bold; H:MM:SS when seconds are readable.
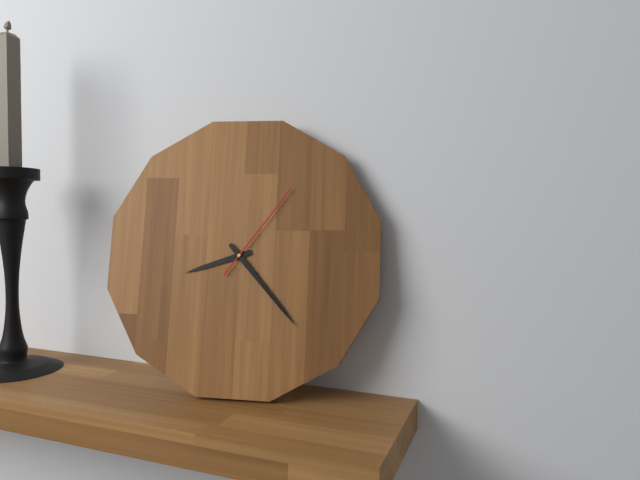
**8:23:06**
